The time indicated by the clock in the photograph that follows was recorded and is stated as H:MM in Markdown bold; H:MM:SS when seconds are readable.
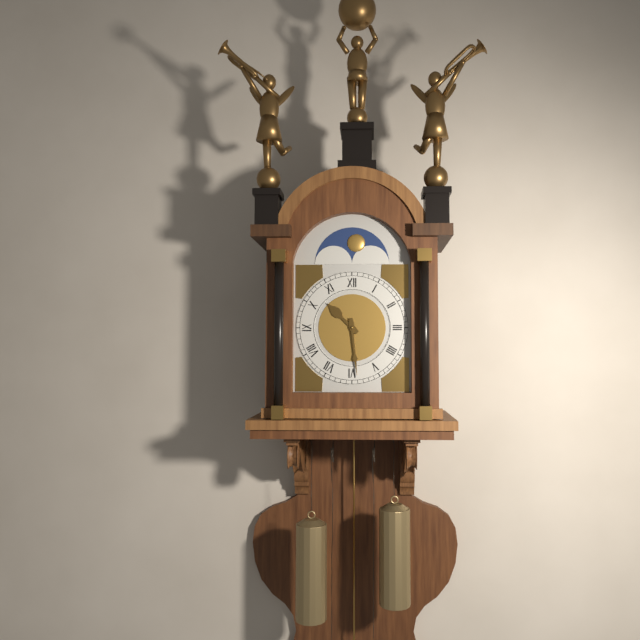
**10:29**
